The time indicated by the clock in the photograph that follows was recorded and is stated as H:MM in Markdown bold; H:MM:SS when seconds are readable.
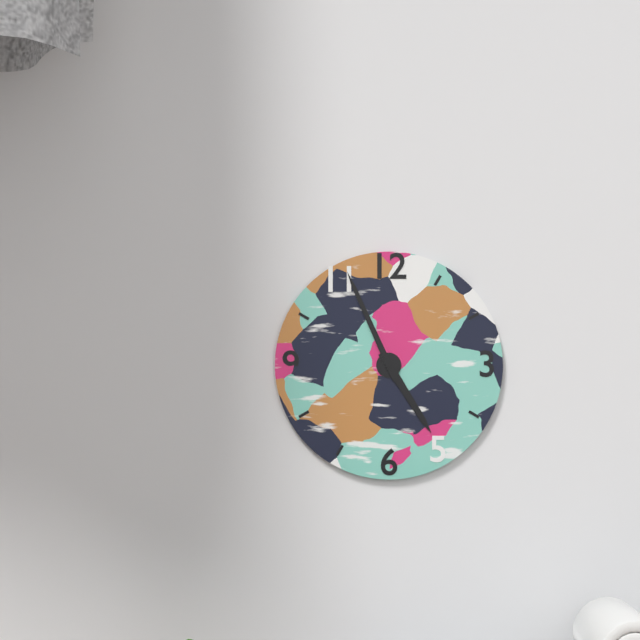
**4:56**
